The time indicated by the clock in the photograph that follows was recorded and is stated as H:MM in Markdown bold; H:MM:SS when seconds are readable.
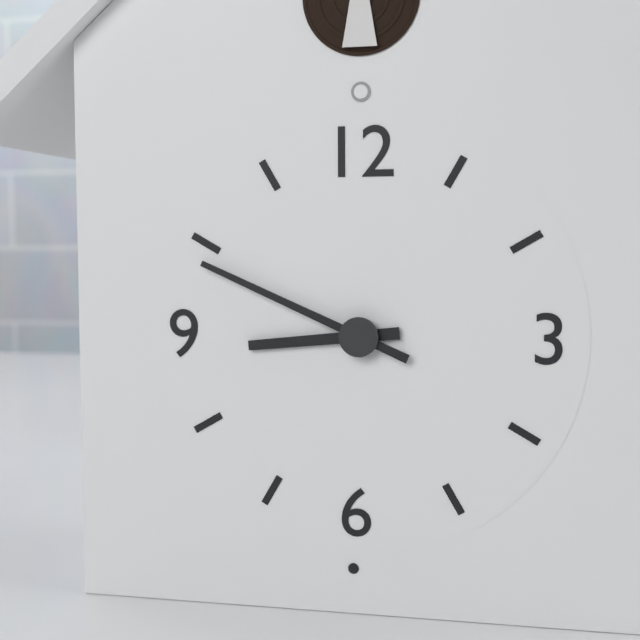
**8:49**
